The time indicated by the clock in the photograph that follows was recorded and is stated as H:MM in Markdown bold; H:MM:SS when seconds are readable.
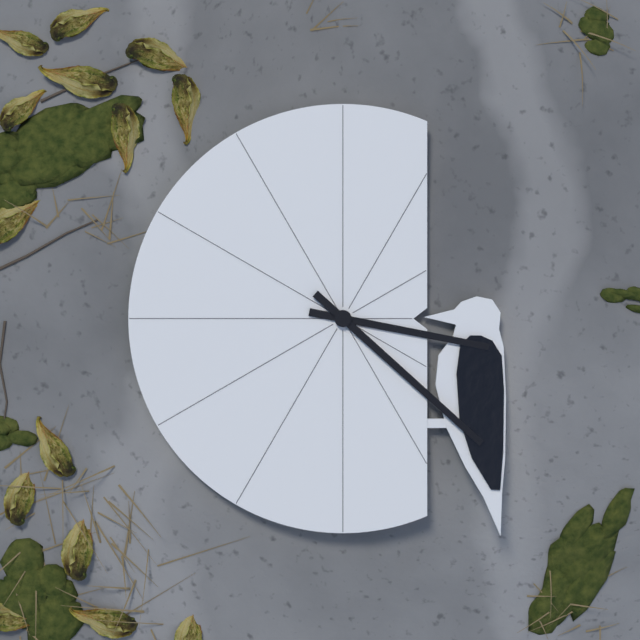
**3:22**
